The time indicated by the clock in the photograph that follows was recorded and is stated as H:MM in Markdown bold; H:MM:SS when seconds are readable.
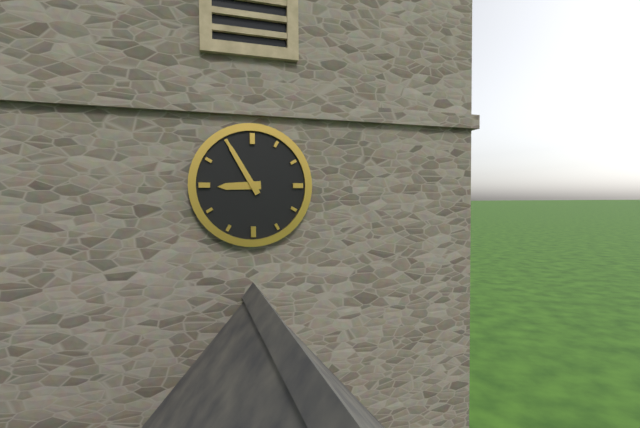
**8:55**
